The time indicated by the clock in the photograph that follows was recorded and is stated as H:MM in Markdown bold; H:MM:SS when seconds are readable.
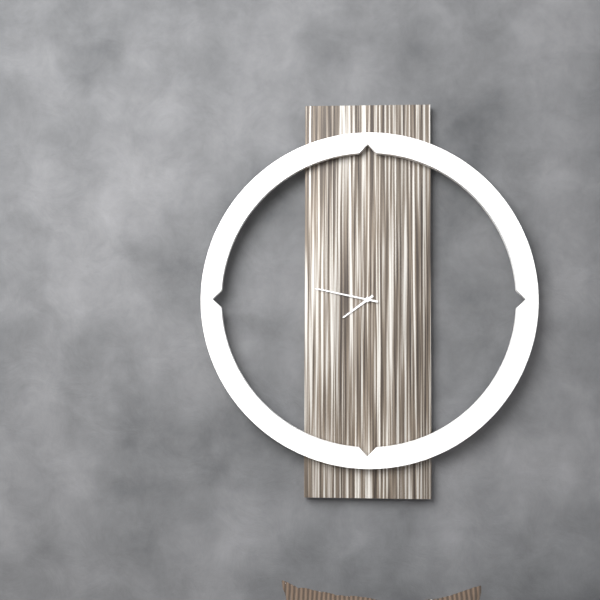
**7:47**
